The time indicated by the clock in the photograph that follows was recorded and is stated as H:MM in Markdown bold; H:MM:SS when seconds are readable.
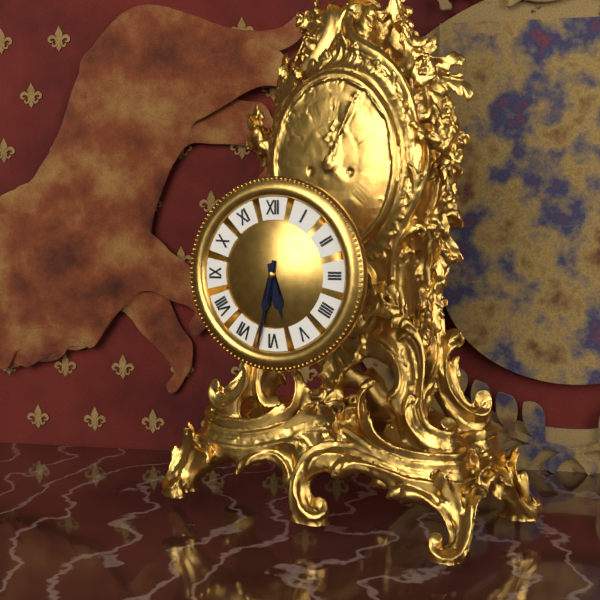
**5:32**
